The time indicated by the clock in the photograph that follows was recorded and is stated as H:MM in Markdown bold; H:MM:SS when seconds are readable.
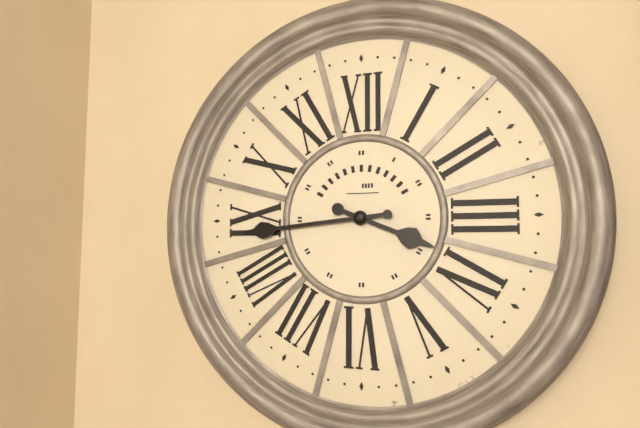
**3:44**
